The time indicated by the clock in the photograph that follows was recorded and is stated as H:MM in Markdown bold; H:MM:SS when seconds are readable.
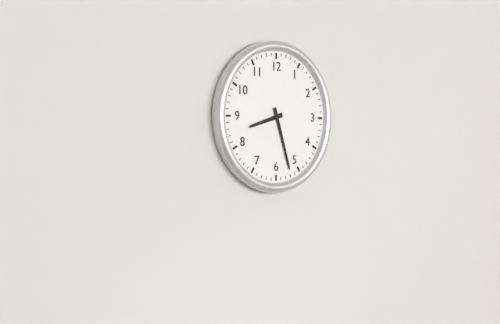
**8:27**
